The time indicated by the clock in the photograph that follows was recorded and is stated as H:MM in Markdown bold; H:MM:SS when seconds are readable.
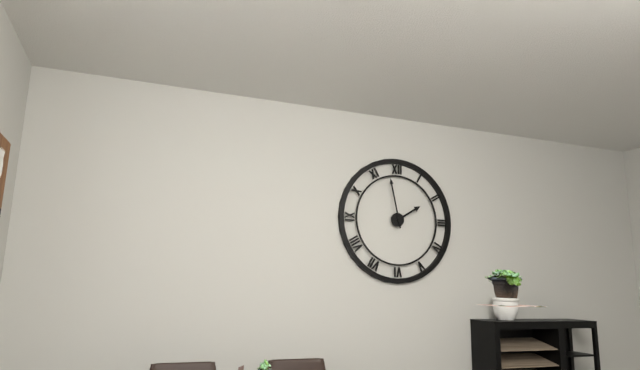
**1:58**
